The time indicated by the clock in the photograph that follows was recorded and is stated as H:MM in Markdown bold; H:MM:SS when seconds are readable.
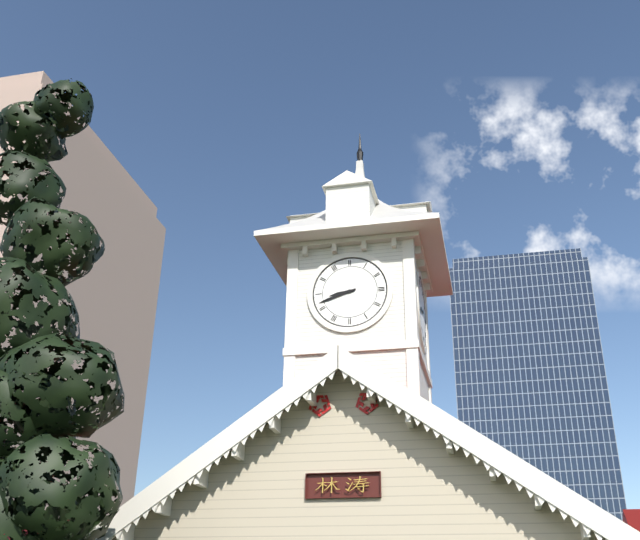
**8:42**
